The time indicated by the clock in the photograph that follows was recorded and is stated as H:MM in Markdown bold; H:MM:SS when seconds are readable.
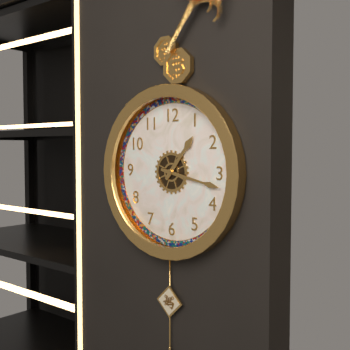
**1:17**
